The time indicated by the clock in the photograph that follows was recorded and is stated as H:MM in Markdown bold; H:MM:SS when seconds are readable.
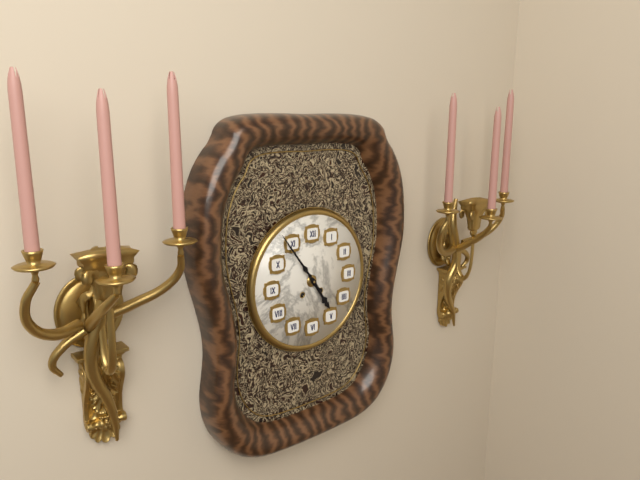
**4:54**
